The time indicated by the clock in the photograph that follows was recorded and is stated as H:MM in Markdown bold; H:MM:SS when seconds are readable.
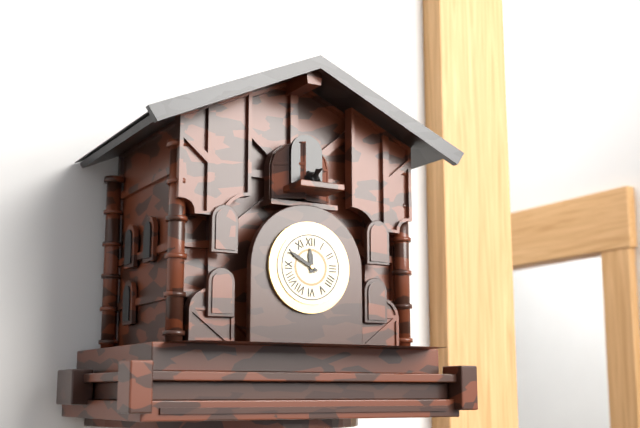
**11:50**
